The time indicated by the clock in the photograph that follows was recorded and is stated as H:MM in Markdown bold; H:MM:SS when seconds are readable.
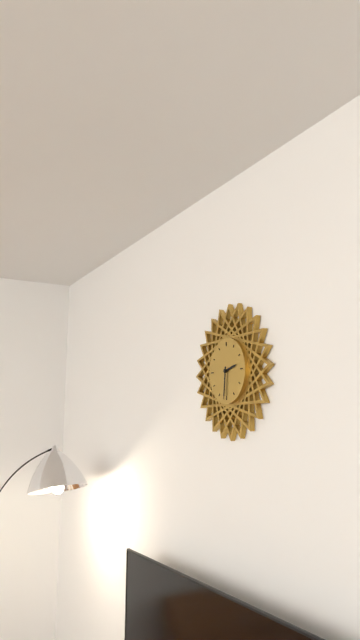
**2:31**
